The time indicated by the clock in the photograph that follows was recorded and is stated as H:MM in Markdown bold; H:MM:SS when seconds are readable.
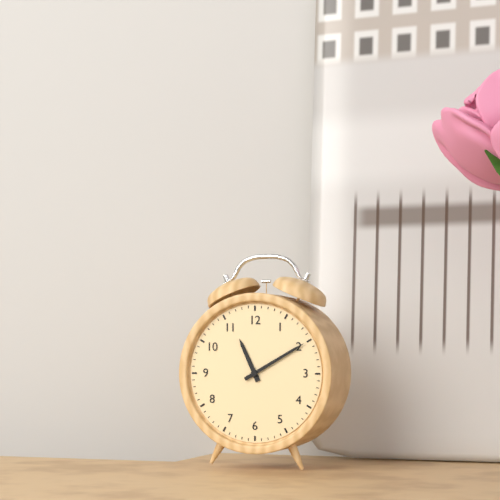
**11:10**
